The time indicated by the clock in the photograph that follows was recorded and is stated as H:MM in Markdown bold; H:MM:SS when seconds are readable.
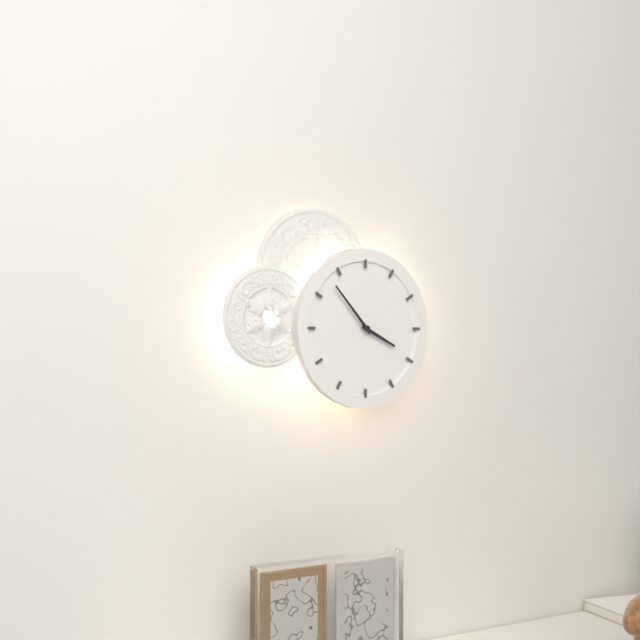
**3:53**
